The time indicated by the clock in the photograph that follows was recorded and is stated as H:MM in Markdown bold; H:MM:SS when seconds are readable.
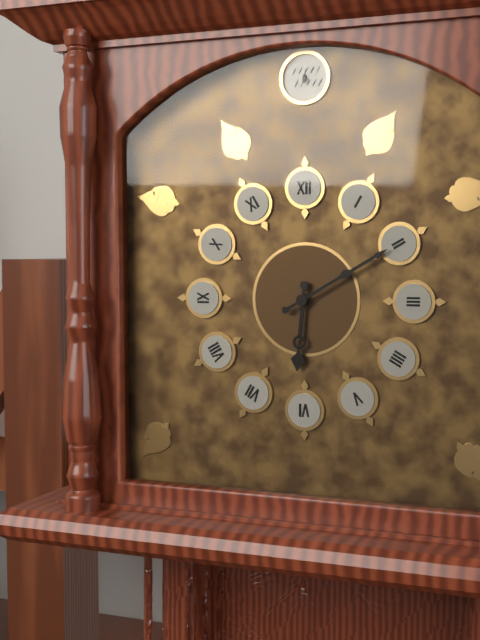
**6:10**
